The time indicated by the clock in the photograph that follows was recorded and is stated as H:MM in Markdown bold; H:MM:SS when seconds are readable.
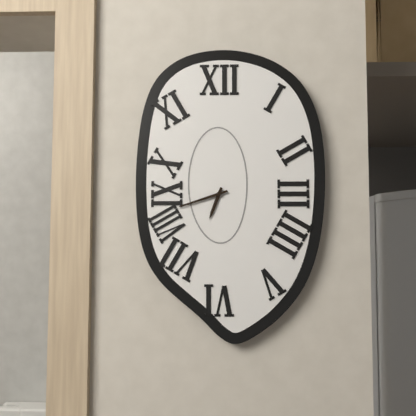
**6:42**
